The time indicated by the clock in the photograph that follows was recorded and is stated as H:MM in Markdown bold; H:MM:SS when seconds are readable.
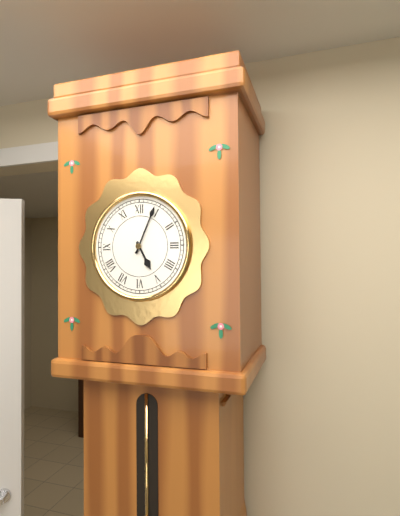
**5:04**
